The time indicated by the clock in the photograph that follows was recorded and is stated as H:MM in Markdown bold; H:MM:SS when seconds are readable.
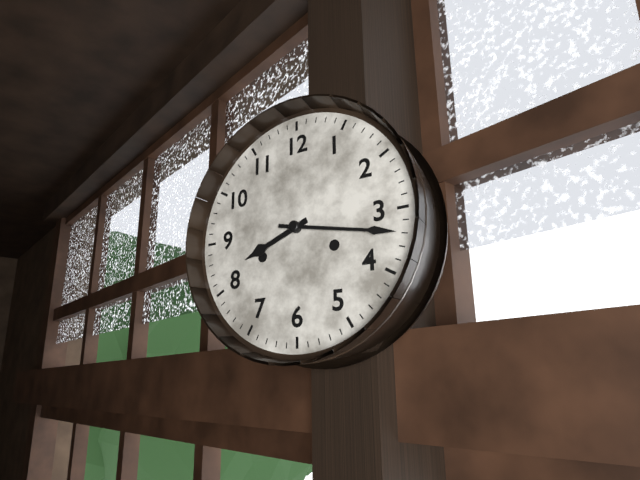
**8:17**
